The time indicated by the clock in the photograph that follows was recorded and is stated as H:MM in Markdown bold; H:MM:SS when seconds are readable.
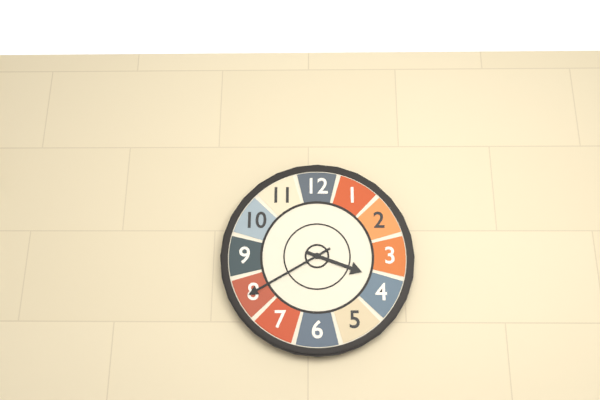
**3:40**
